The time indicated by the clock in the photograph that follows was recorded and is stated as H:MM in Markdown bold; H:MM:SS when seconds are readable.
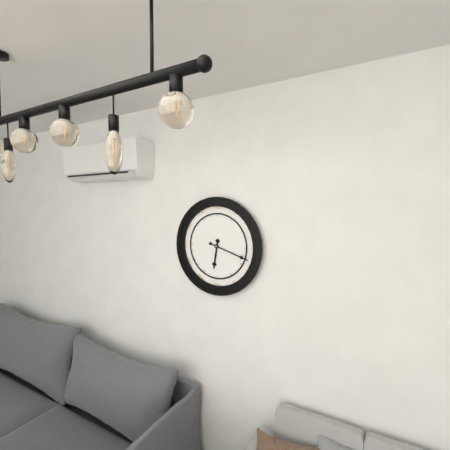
**6:18**
